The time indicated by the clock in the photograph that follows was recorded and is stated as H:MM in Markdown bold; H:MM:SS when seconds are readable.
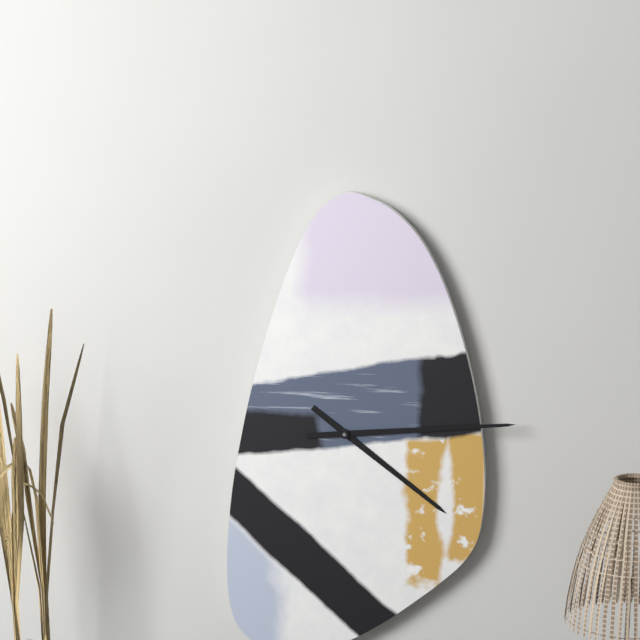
**4:14**
